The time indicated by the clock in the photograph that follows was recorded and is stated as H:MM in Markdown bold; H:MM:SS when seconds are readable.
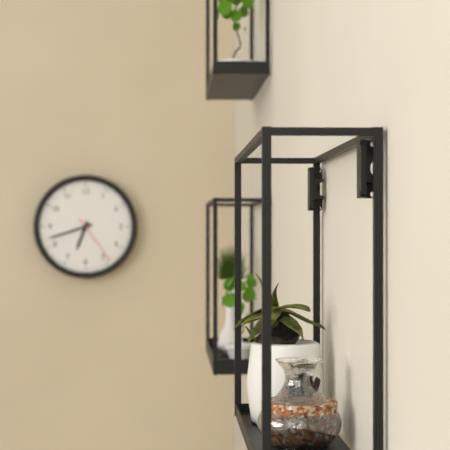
**6:42:24**
